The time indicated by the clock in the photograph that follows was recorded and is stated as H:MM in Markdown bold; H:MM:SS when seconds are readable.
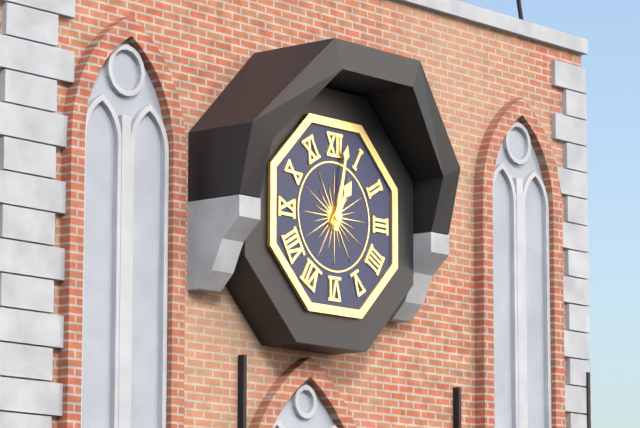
**1:02**
